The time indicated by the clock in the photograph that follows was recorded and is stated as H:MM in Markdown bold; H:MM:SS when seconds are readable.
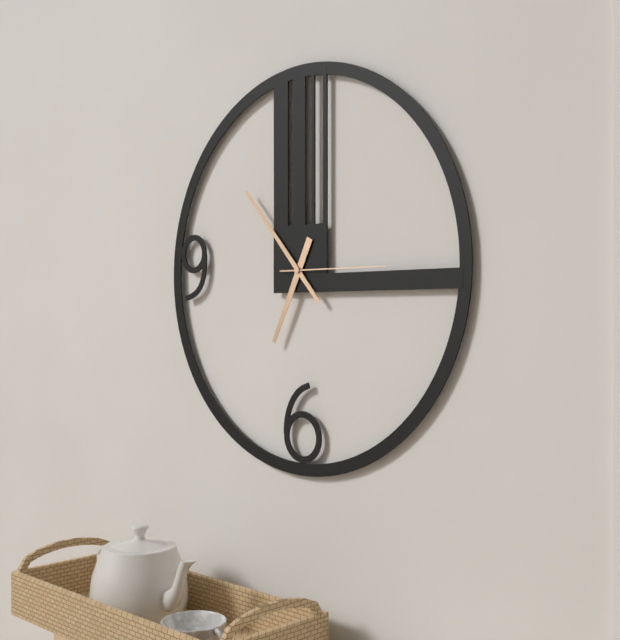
**6:53:15**
